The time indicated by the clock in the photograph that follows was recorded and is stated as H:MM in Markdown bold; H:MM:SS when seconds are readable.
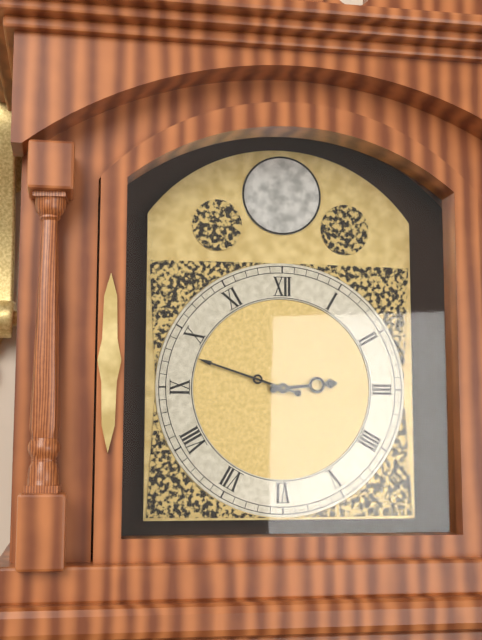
**2:48**
